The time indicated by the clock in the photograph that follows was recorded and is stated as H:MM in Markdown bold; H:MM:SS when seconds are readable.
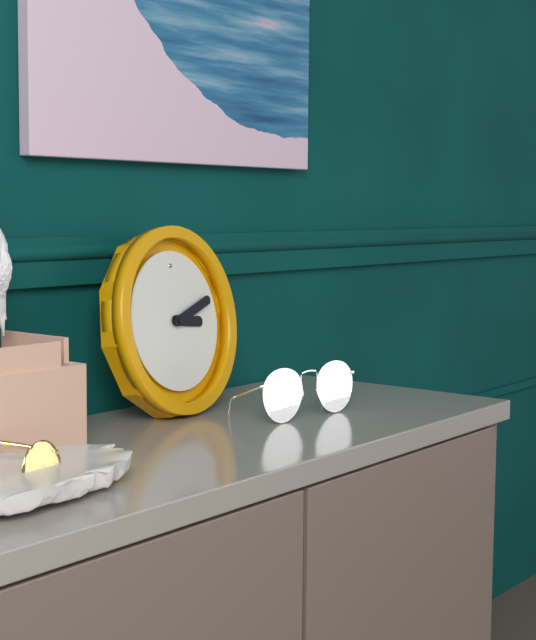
**3:12**
